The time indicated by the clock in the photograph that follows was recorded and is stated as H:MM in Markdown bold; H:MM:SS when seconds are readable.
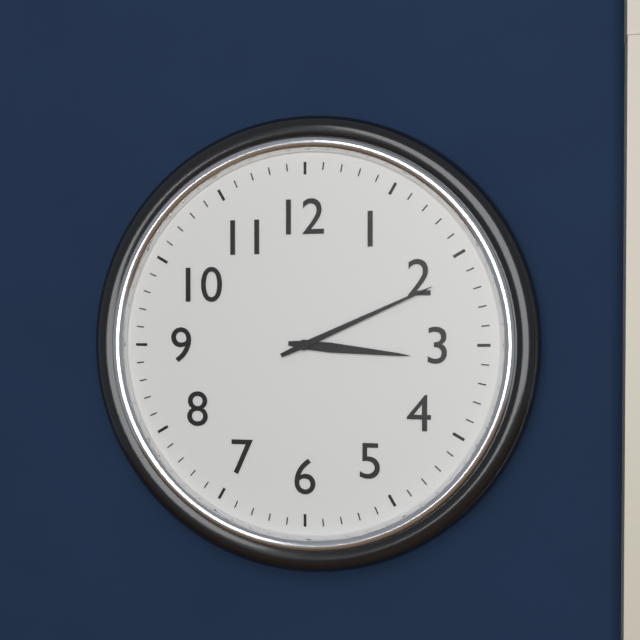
**3:11**
